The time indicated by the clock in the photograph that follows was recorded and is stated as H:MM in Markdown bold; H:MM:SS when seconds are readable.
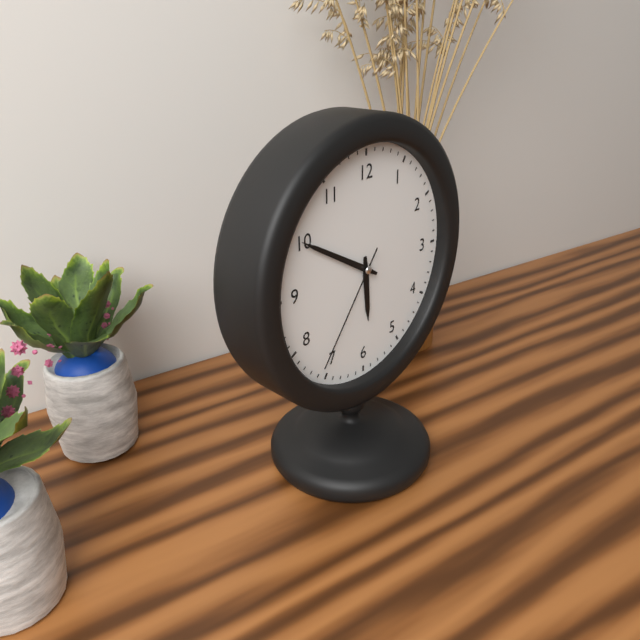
**5:50:36**
